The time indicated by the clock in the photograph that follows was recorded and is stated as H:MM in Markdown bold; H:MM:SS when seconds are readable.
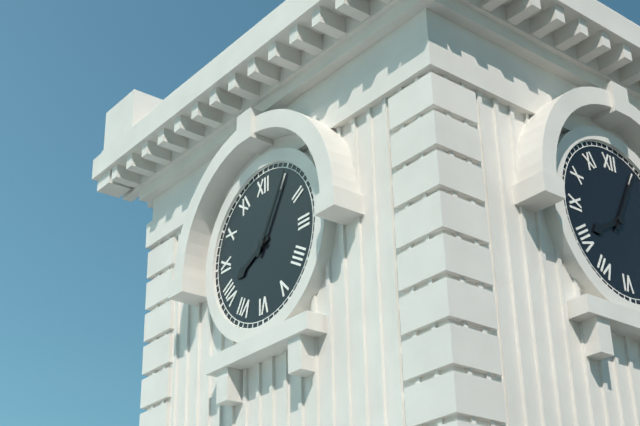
**8:05**
